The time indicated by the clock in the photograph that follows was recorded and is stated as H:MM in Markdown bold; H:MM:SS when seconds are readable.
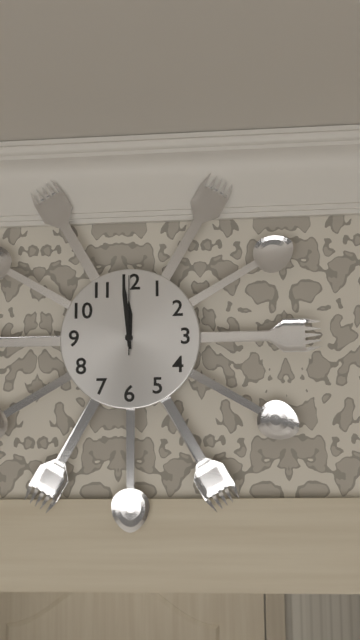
**11:59:00**
